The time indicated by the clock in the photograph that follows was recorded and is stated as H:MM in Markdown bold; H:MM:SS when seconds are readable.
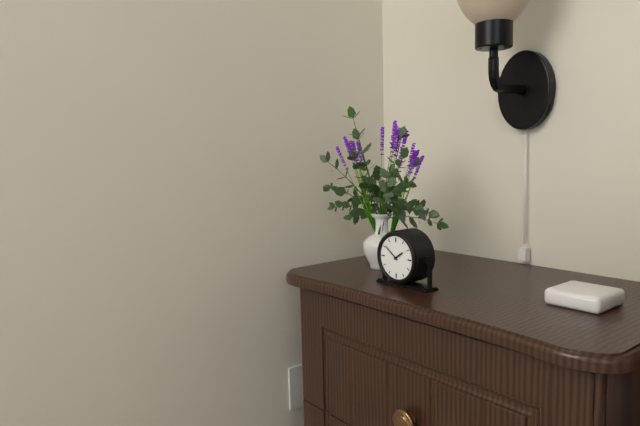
**1:51**
